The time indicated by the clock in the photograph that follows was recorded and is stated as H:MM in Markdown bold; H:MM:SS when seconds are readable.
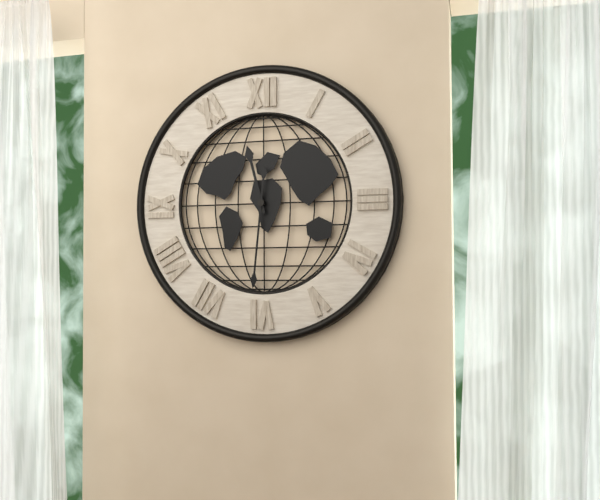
**11:31**
